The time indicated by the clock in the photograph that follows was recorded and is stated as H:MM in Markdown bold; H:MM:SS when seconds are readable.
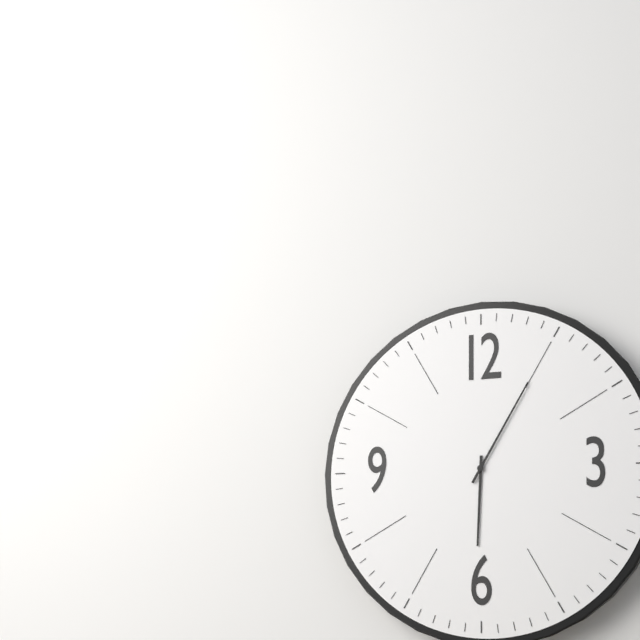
**6:05**
